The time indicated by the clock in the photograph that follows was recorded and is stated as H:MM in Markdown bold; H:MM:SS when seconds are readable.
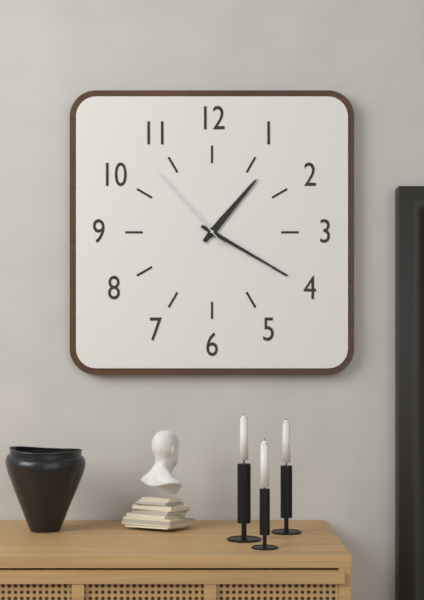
**1:20:53**
